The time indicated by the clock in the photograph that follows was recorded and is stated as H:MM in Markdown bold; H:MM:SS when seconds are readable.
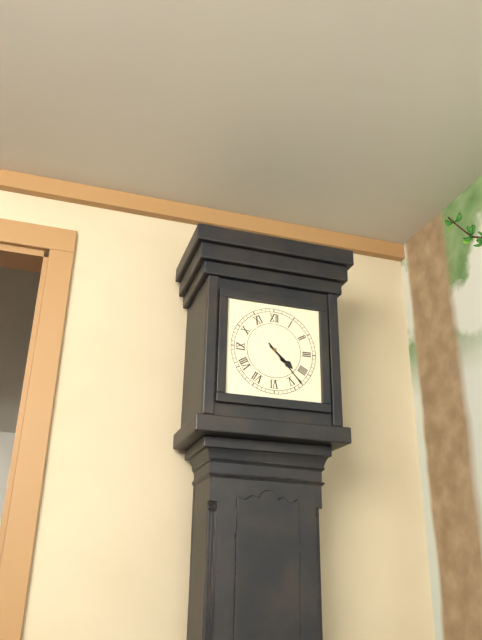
**4:23**
